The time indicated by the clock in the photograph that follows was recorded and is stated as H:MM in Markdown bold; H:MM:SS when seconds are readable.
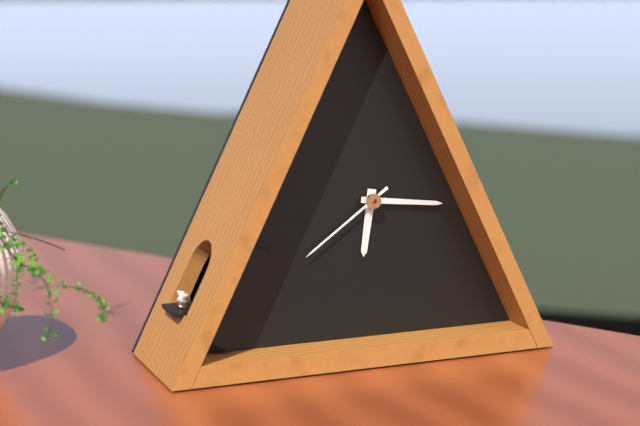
**6:16:39**
